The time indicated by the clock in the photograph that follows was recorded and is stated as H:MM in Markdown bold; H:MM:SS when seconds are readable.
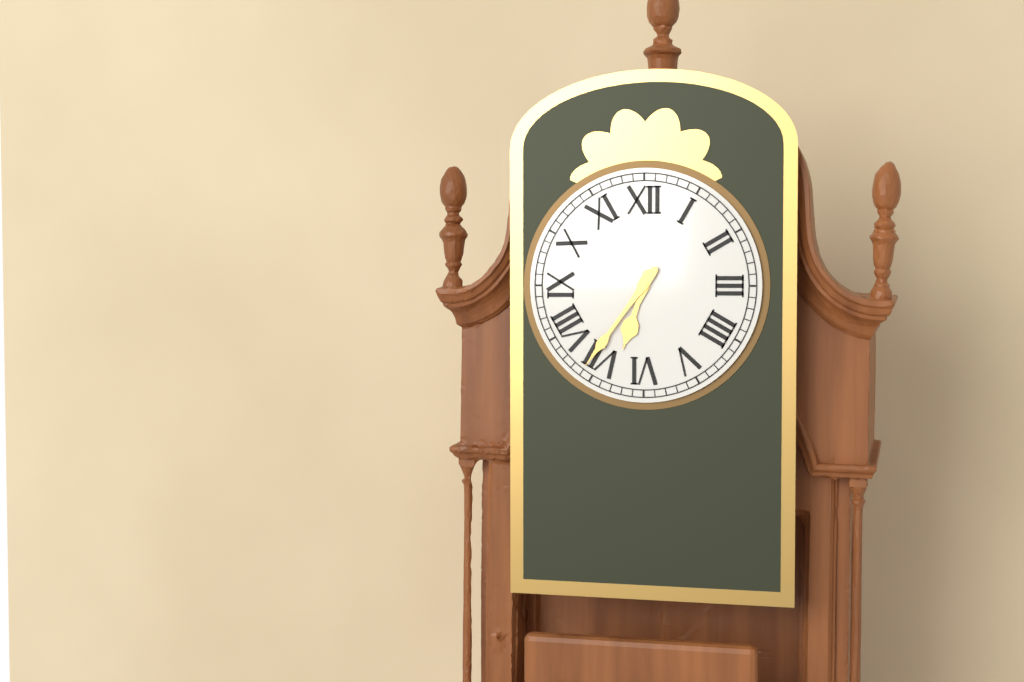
**6:36**
